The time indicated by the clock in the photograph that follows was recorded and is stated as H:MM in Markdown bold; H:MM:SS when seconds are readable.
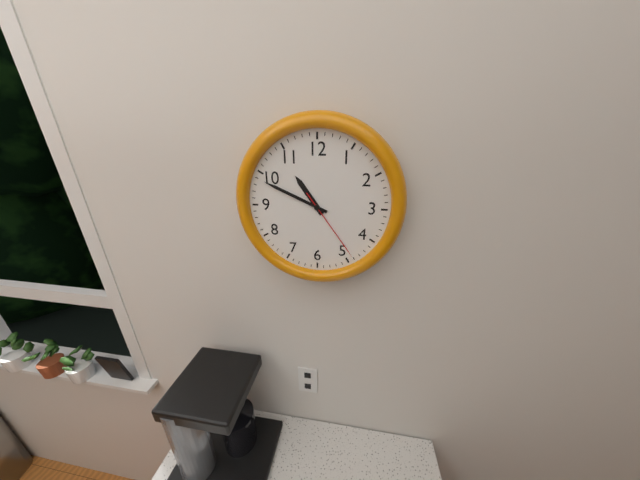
**10:49:24**
